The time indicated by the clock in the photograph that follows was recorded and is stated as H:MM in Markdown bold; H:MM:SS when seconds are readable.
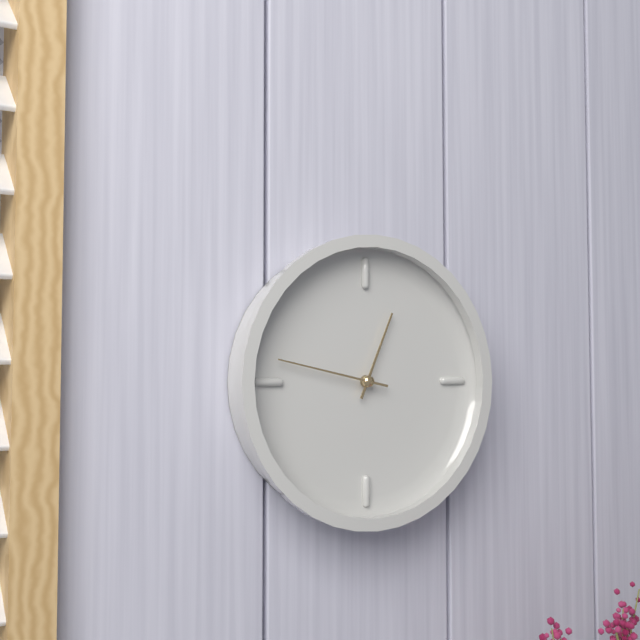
**12:47**
